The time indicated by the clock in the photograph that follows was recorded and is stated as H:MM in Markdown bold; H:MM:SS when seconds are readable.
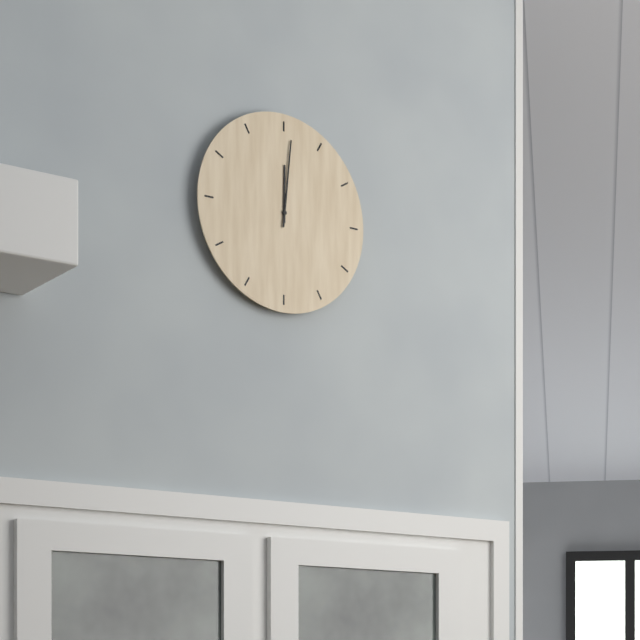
**12:01**
